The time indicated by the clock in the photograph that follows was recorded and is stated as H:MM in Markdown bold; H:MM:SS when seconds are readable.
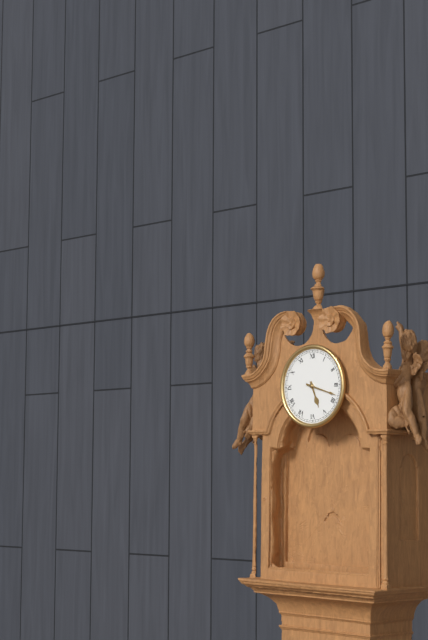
**5:18**
